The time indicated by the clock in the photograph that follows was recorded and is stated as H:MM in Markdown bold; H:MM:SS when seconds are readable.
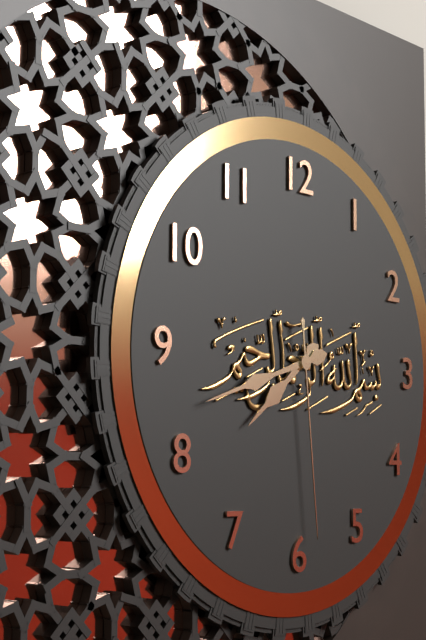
**7:42:29**
